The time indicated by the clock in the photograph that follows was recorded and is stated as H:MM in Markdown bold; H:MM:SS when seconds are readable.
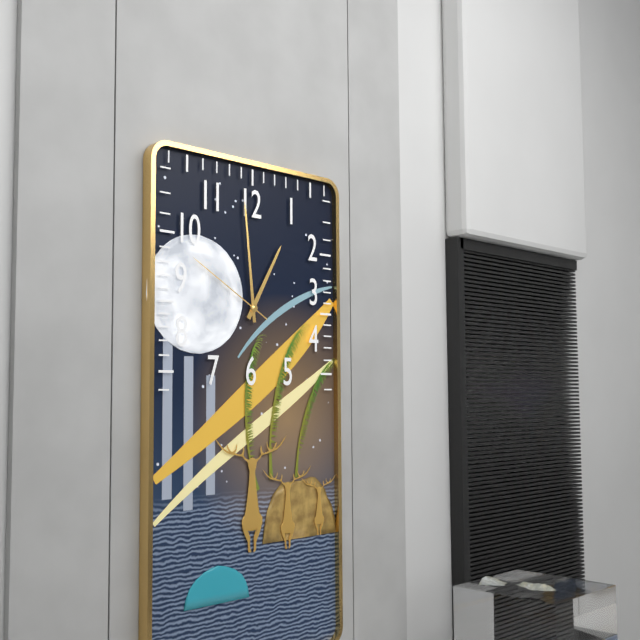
**12:59:50**
